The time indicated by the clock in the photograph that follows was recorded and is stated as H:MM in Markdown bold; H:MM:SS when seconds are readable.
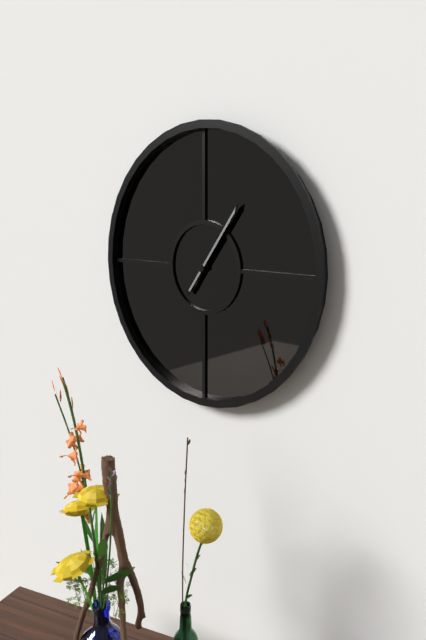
**1:06**
